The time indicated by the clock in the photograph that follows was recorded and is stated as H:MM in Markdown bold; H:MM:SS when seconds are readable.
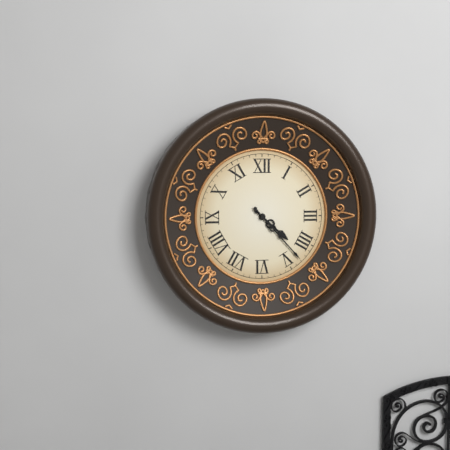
**4:23**
